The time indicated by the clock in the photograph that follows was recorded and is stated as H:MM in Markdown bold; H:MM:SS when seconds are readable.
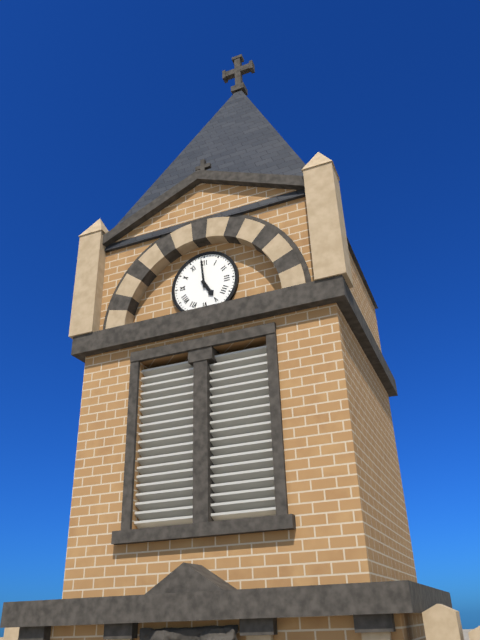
**4:59**
